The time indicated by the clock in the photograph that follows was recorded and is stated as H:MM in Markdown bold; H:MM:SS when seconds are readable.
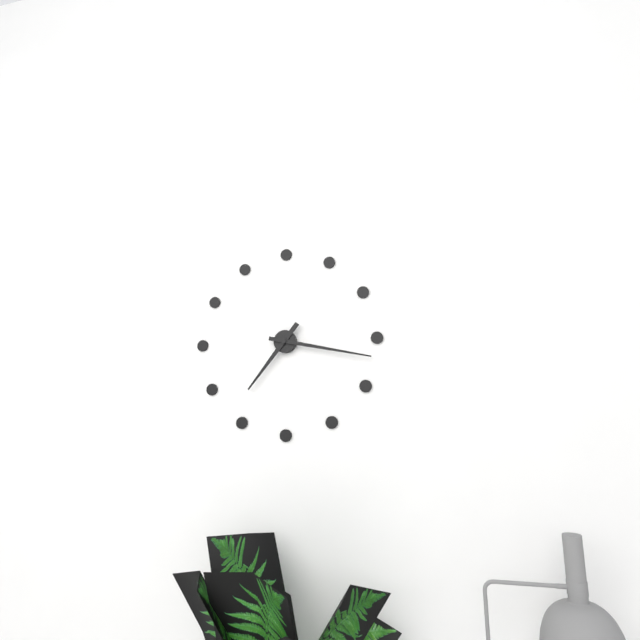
**7:17**
